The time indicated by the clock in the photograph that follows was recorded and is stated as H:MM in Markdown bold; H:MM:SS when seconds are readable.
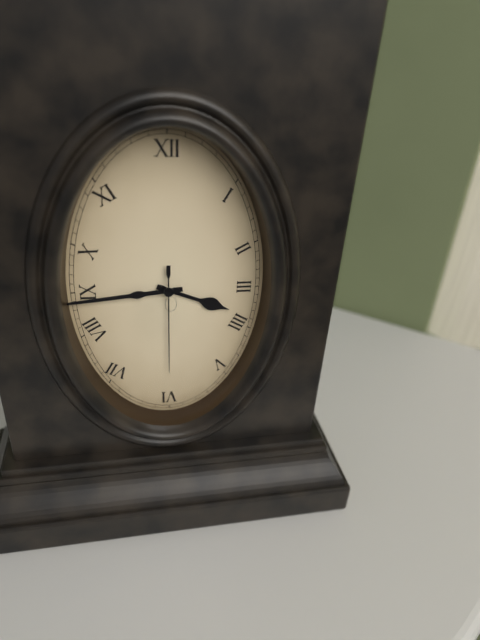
**3:44:30**
